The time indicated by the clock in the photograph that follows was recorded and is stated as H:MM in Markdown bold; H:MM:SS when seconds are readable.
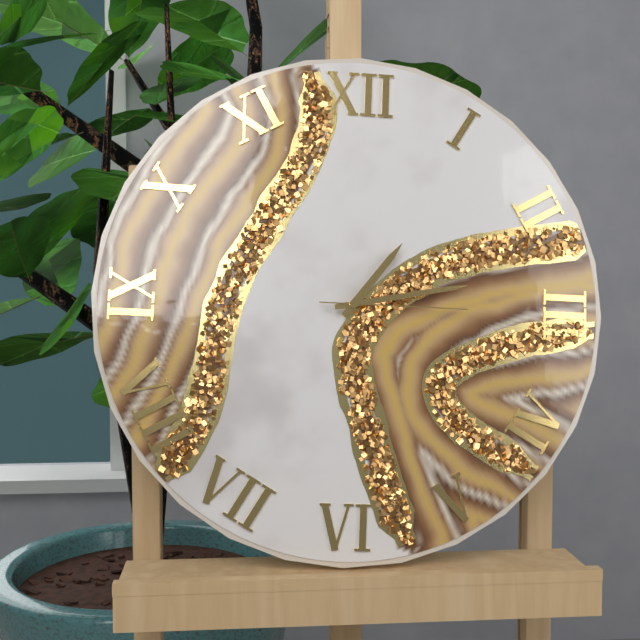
**1:13:15**
